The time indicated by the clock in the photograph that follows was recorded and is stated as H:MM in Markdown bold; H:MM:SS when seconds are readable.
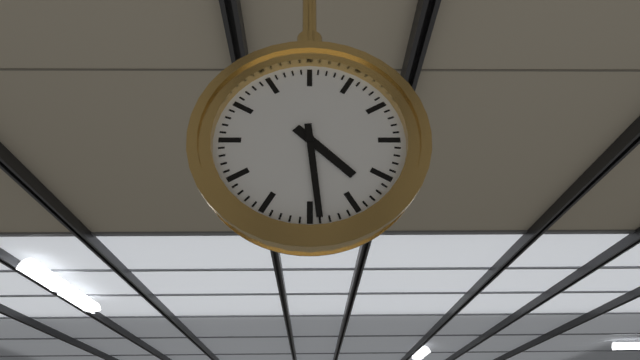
**4:29**
